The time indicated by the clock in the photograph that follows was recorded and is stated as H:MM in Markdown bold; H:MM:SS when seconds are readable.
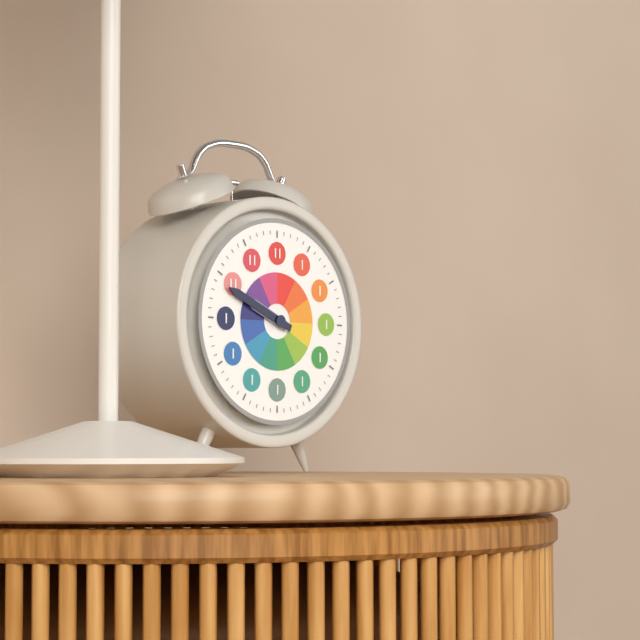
**9:49**
